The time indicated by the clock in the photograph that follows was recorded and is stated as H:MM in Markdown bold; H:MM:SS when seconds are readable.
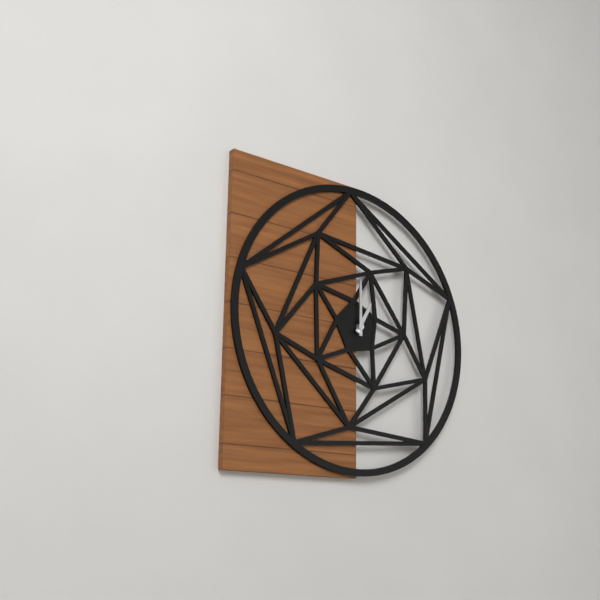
**1:00**
